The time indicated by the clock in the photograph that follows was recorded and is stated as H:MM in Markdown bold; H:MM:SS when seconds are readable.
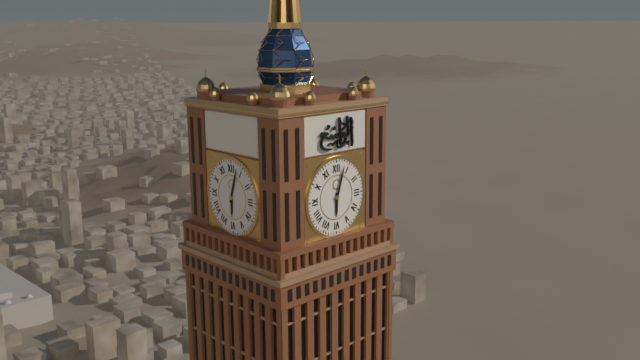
**6:03**
